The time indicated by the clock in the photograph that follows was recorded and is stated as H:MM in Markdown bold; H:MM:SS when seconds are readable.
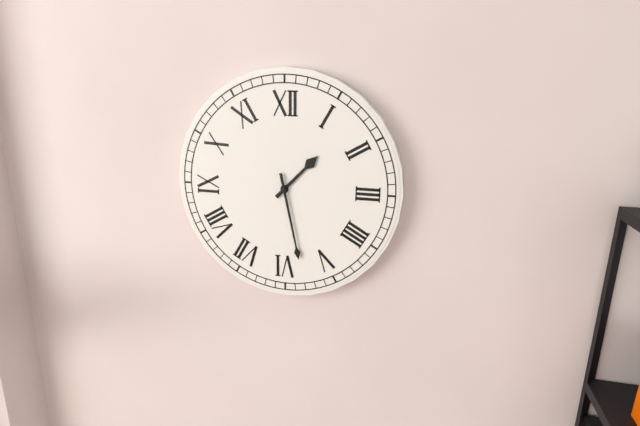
**1:28**
